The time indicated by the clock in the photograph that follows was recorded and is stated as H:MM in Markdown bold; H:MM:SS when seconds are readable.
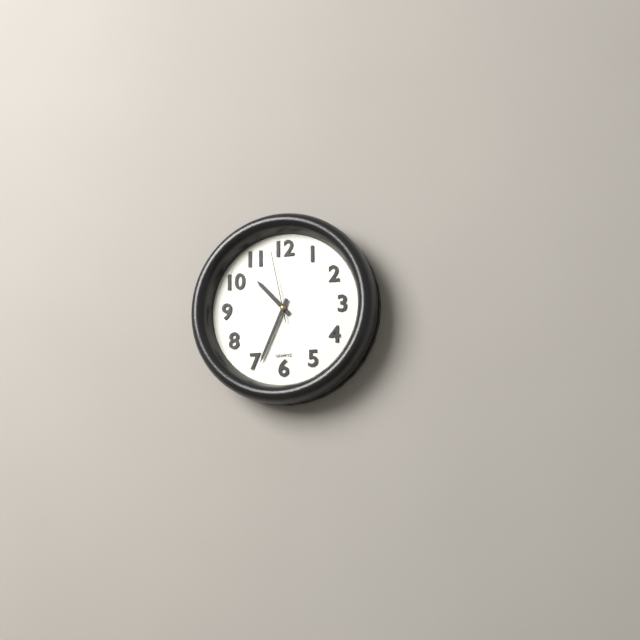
**10:34:58**
